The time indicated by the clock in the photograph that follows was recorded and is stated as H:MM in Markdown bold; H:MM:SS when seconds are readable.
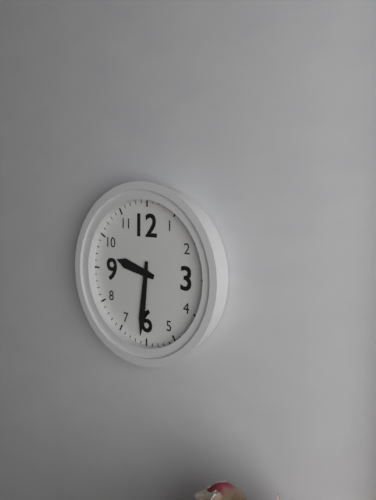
**9:31**
